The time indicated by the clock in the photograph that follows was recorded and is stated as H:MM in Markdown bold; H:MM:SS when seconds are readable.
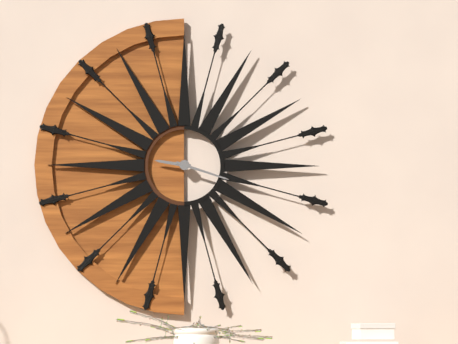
**9:18**
